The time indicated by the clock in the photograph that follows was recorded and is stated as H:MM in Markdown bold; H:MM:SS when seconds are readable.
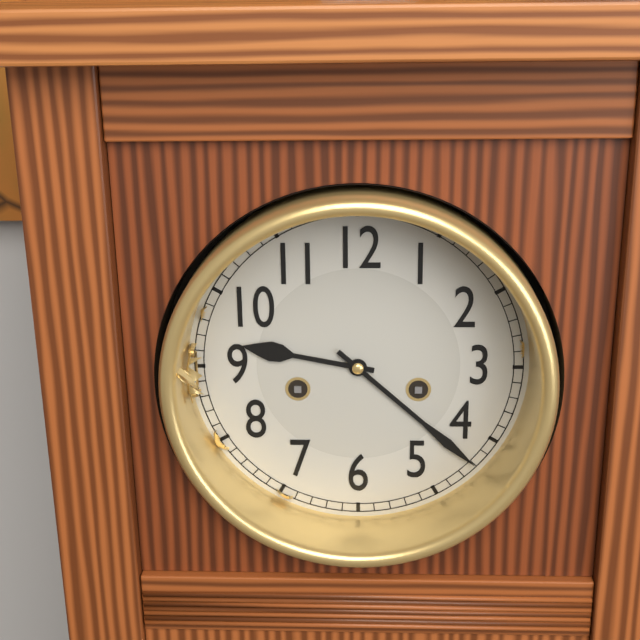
**9:22**
